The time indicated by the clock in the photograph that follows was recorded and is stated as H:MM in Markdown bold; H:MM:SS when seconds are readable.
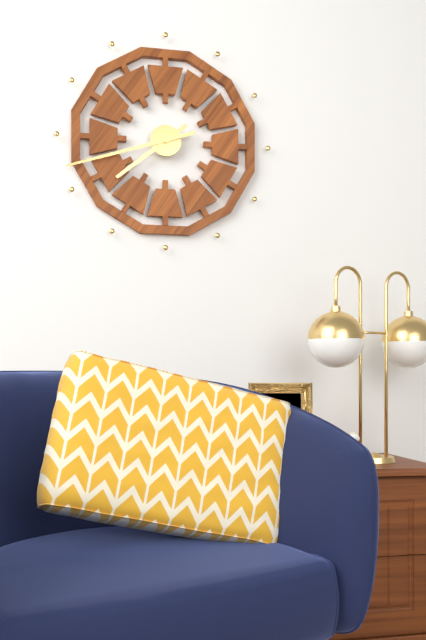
**7:42**
